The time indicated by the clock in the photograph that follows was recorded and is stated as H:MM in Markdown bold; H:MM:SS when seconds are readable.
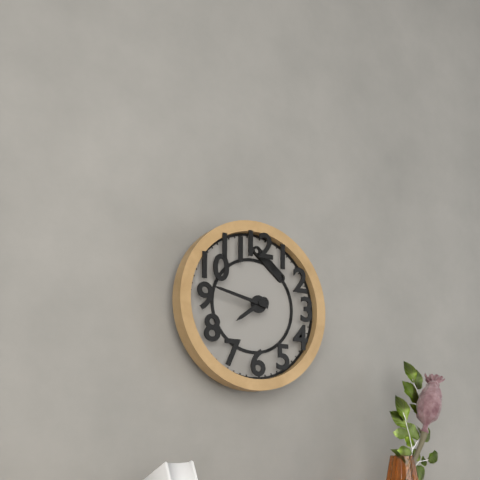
**7:47**
